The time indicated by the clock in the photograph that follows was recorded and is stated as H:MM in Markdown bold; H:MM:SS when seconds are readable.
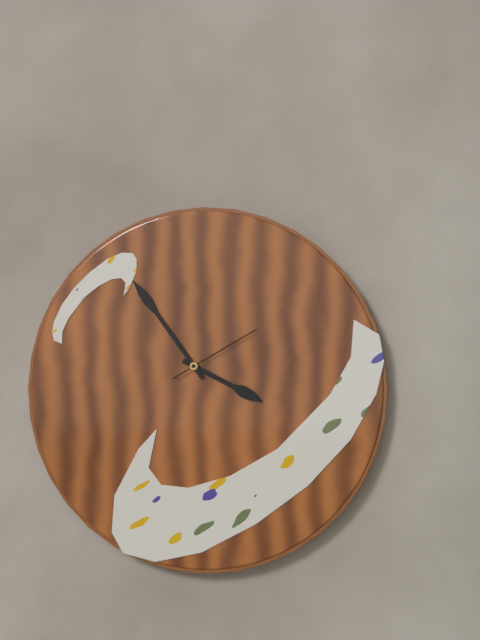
**3:54:10**
